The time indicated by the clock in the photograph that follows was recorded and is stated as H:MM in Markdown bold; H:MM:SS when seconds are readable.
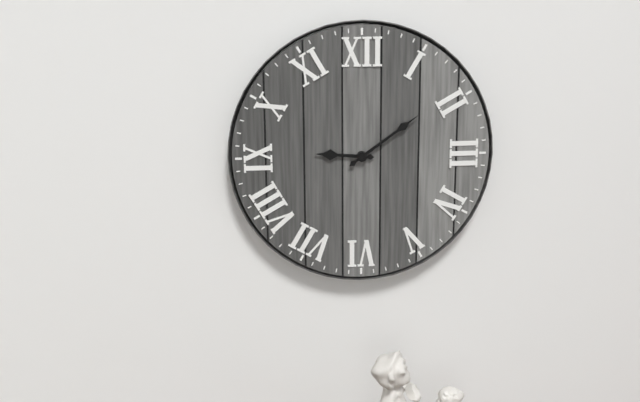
**9:09**
